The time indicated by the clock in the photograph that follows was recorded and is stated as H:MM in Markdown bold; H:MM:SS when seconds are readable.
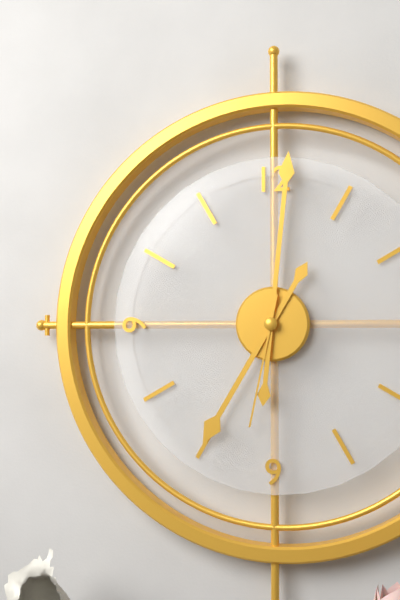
**7:01:32**
